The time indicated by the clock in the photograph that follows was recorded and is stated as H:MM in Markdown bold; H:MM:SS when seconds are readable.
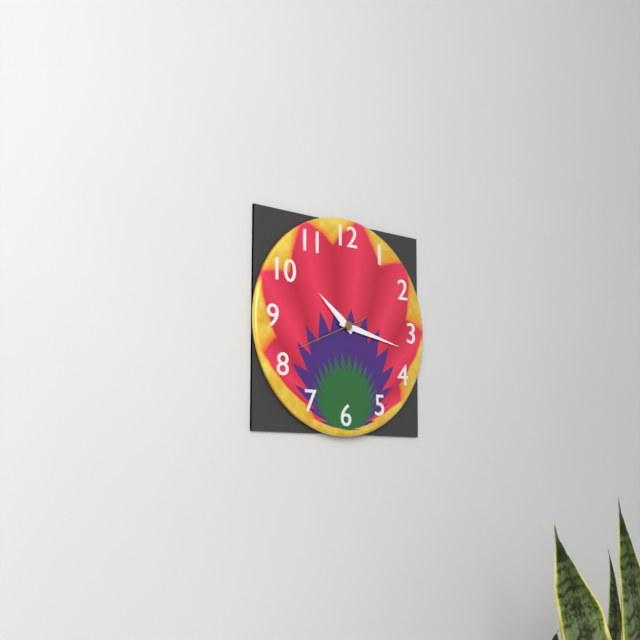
**10:17:41**
